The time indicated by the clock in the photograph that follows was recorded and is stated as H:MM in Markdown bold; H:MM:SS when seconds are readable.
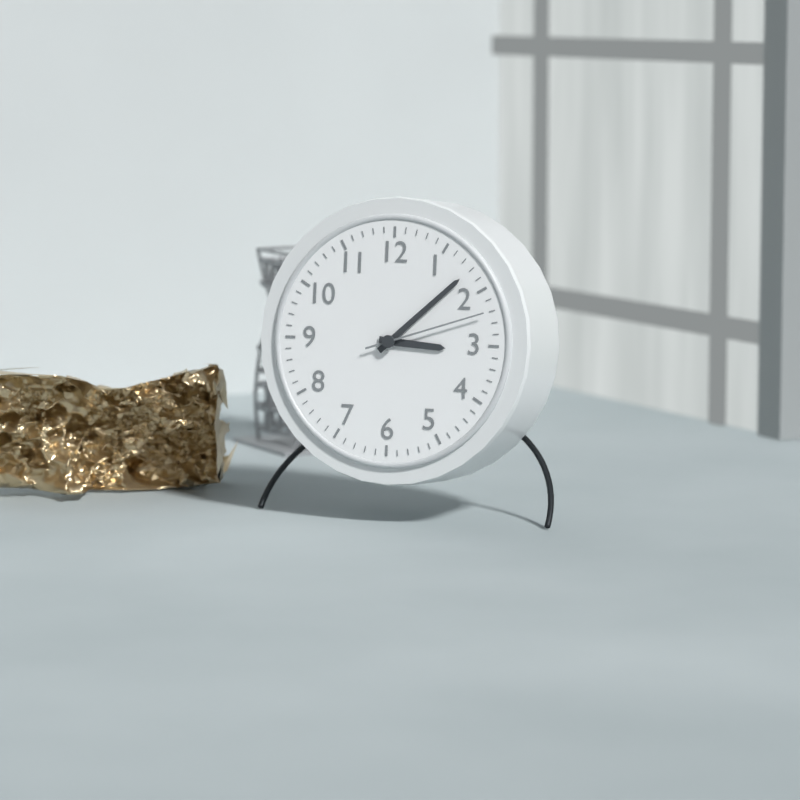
**3:08:12**
